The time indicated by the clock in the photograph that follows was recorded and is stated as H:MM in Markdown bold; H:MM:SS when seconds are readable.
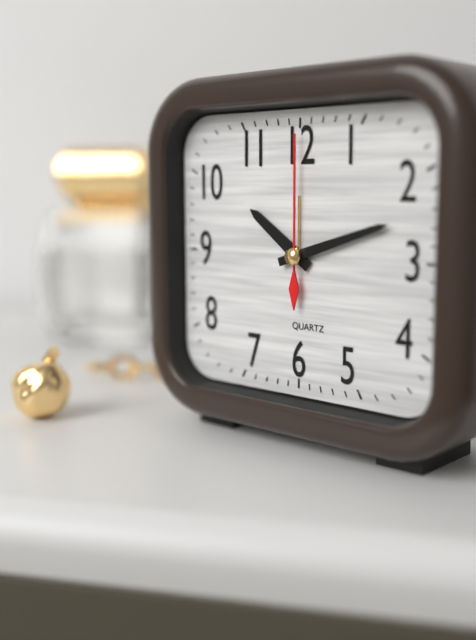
**10:12:00**
